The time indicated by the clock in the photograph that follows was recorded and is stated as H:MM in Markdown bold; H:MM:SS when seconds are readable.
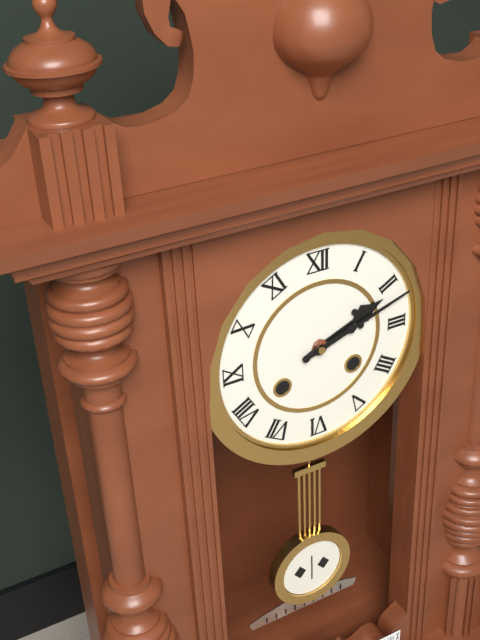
**2:12**
